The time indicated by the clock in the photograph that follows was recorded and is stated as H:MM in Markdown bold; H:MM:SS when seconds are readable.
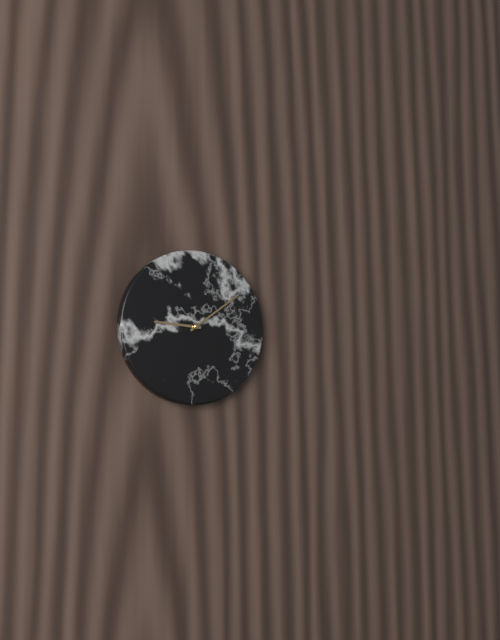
**9:09**
